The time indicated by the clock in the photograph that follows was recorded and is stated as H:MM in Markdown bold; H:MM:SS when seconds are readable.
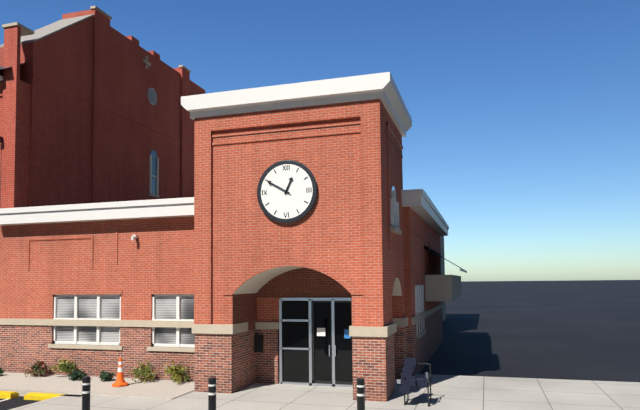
**12:50**
